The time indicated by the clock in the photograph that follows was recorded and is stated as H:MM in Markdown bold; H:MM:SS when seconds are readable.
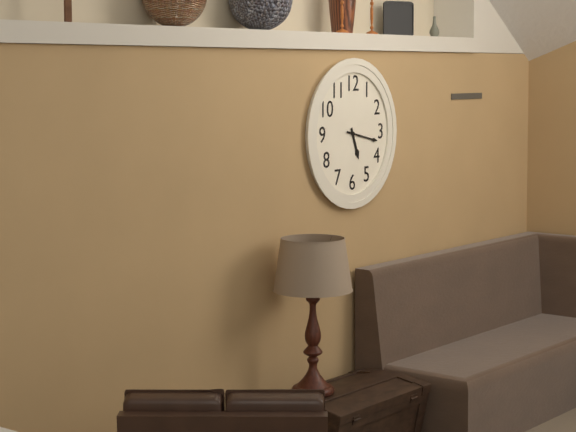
**5:17**
